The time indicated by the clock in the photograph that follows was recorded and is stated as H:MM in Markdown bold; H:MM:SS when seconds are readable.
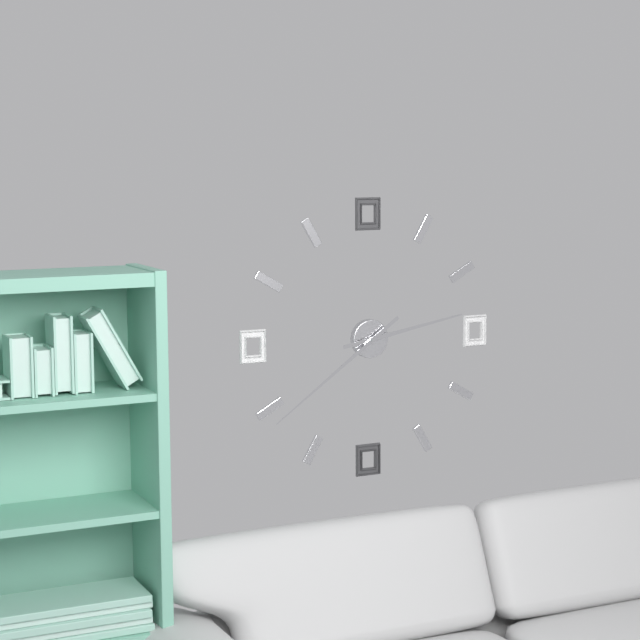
**2:39**
